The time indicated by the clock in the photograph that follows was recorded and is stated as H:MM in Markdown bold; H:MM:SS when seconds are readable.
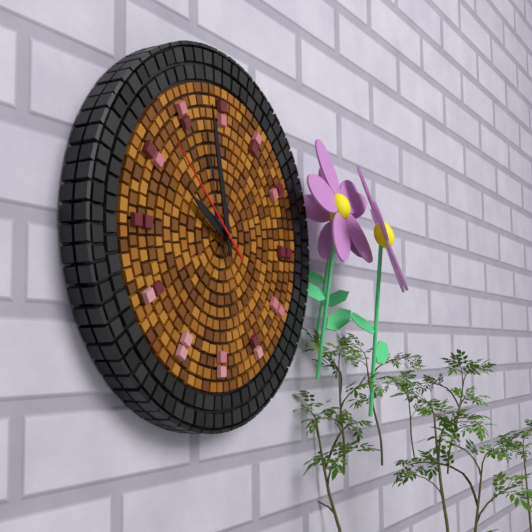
**9:58:52**
